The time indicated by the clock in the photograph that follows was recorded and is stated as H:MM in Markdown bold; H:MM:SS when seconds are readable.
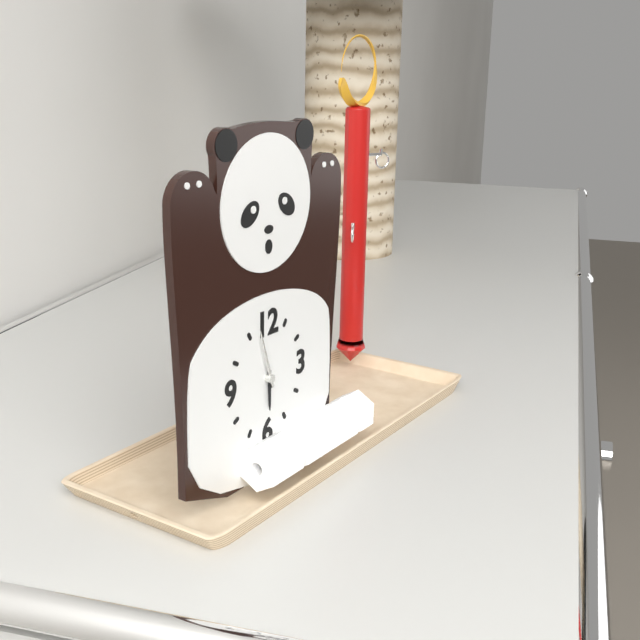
**5:57**
